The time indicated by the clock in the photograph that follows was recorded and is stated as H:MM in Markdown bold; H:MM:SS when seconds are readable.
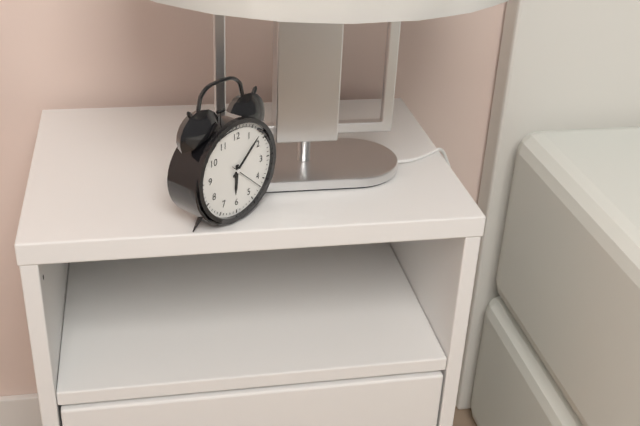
**6:08**
